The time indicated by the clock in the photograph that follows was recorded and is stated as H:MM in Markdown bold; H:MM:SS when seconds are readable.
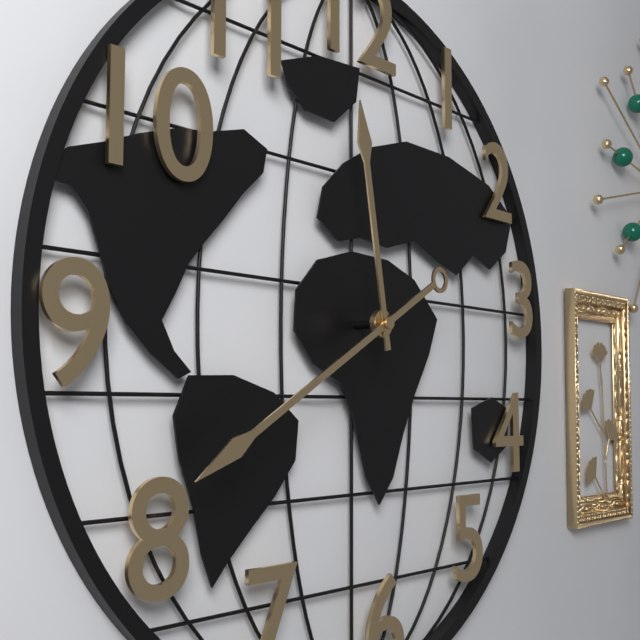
**11:40**
